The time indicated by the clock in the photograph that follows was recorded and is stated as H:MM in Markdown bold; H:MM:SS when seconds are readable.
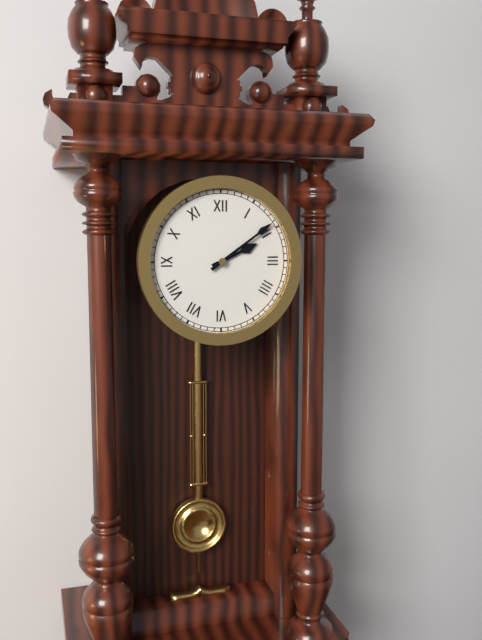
**2:09**
